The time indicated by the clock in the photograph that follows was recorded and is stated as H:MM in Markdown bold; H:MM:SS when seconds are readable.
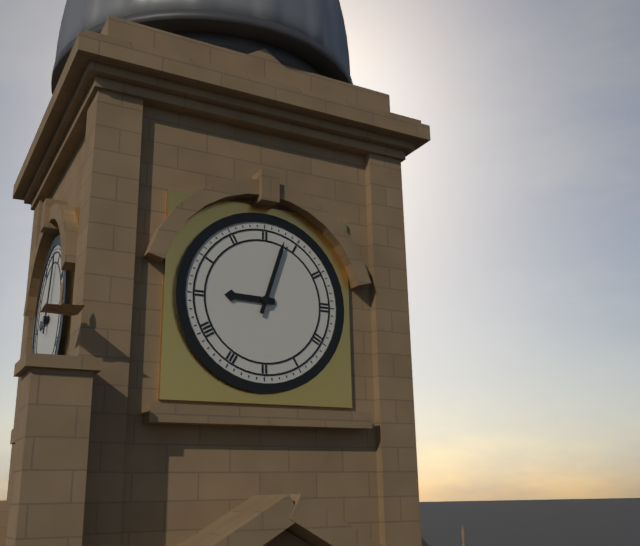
**9:03**
